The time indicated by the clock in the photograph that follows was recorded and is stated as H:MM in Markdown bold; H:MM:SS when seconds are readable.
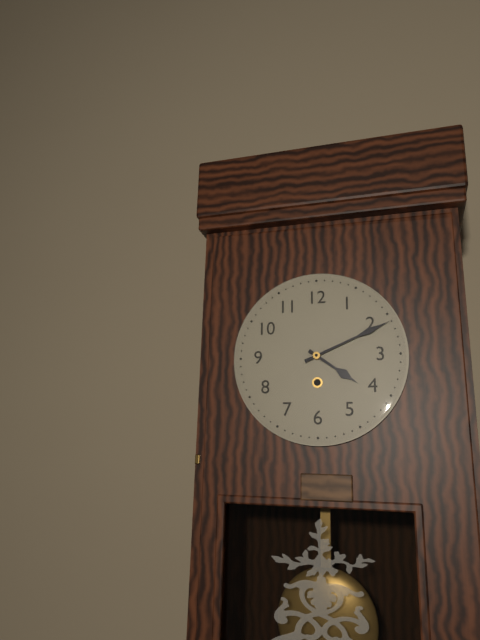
**4:11**
